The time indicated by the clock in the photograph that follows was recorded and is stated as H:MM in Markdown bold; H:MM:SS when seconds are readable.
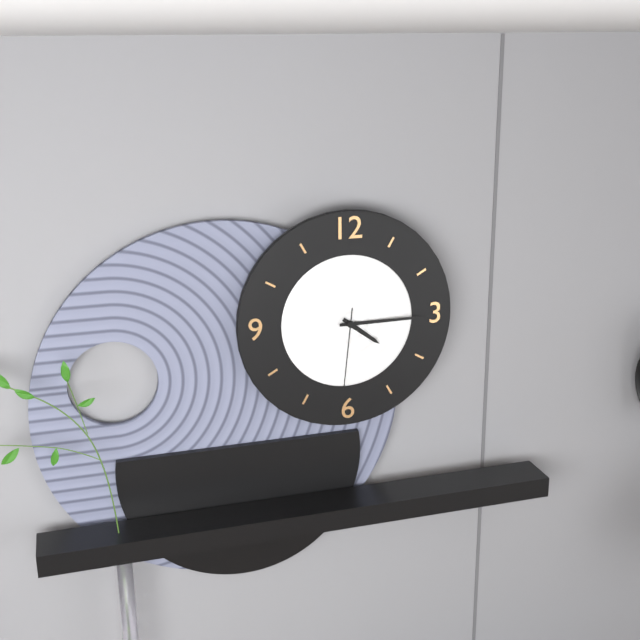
**4:15:31**
